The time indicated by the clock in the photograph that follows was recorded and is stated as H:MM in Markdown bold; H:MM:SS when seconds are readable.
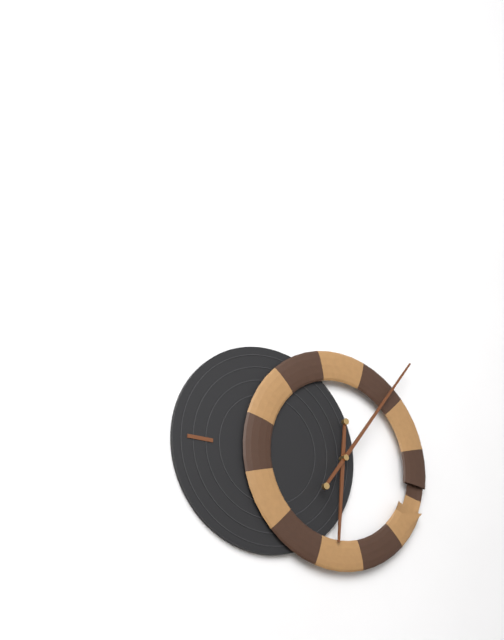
**6:06**
